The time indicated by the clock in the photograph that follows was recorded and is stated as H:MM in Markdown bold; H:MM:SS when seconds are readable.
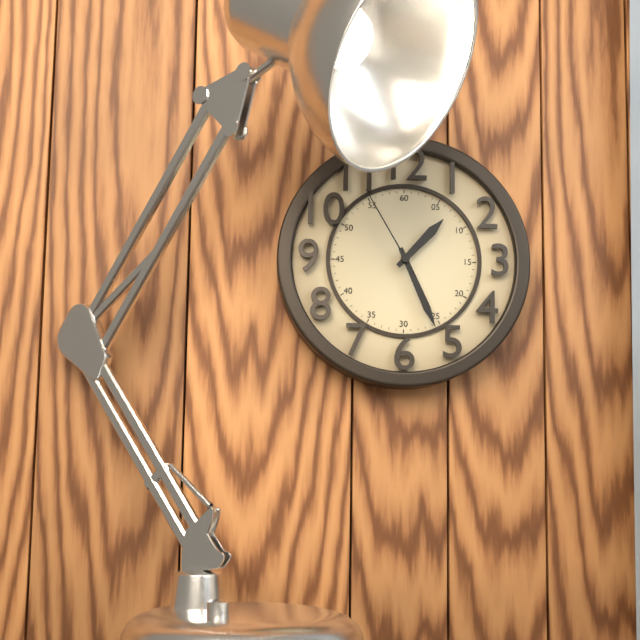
**1:26:55**
